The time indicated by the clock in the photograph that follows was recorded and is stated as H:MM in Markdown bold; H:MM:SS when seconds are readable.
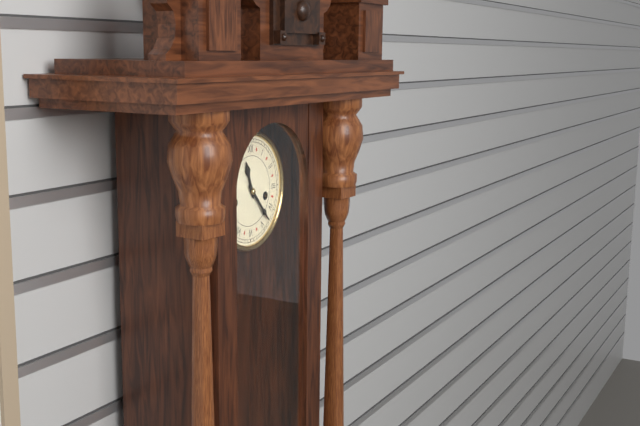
**11:23**
